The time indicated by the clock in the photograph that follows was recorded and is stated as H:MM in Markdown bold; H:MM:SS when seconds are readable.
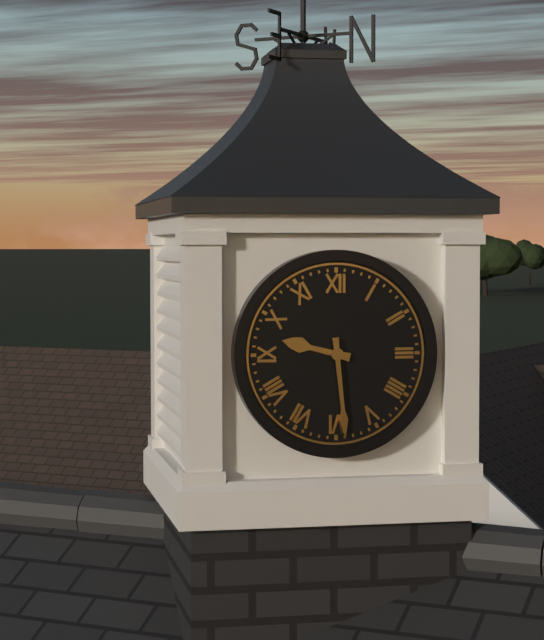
**9:29**
